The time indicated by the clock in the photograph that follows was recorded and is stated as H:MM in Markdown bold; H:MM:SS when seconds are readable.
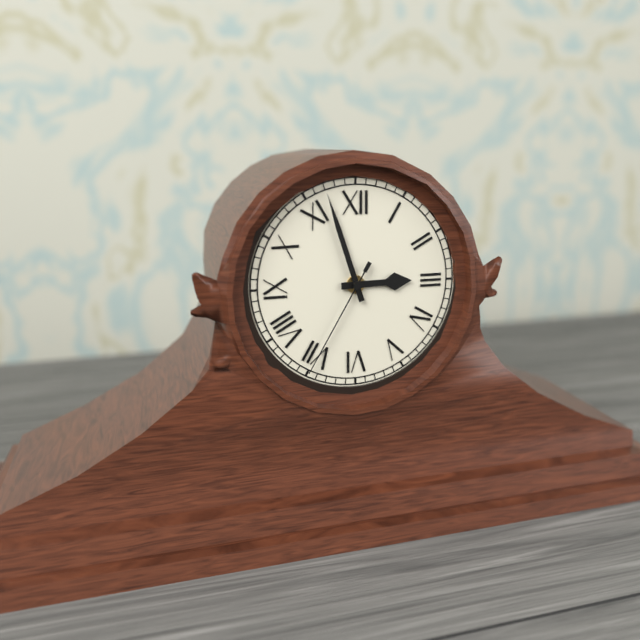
**2:57:35**
